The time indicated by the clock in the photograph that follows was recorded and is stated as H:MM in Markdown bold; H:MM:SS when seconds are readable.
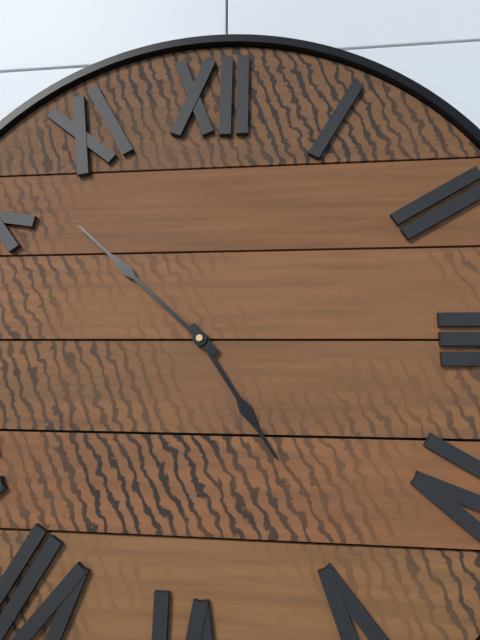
**4:52**
